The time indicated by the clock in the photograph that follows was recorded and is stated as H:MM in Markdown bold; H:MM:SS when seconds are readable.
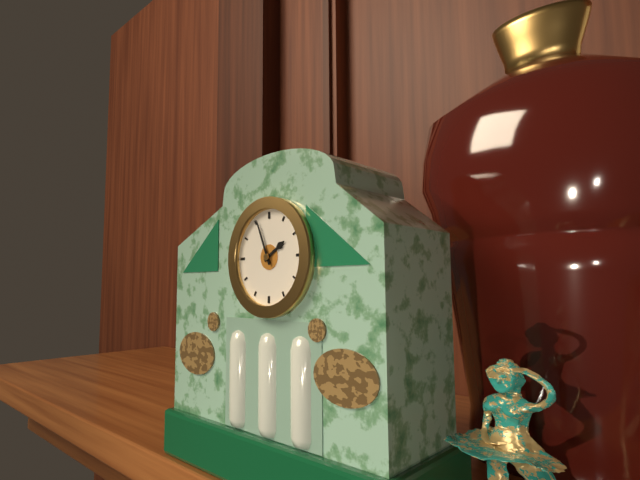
**1:56**
